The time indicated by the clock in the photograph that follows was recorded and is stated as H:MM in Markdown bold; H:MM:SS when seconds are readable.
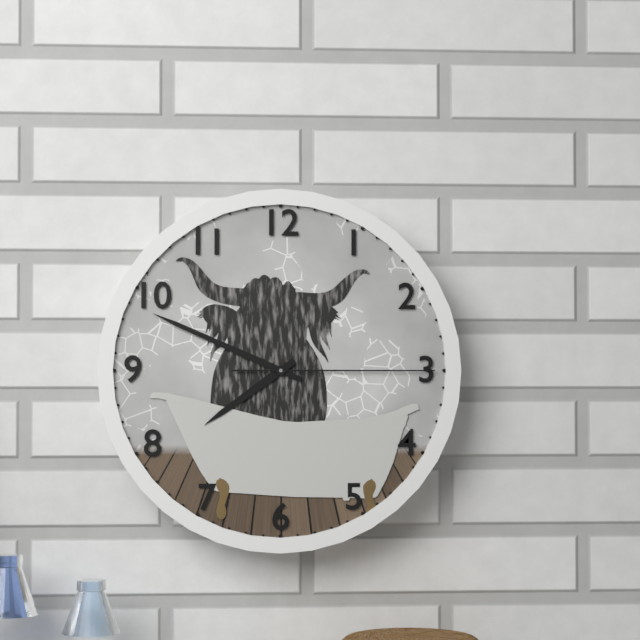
**7:49:15**
